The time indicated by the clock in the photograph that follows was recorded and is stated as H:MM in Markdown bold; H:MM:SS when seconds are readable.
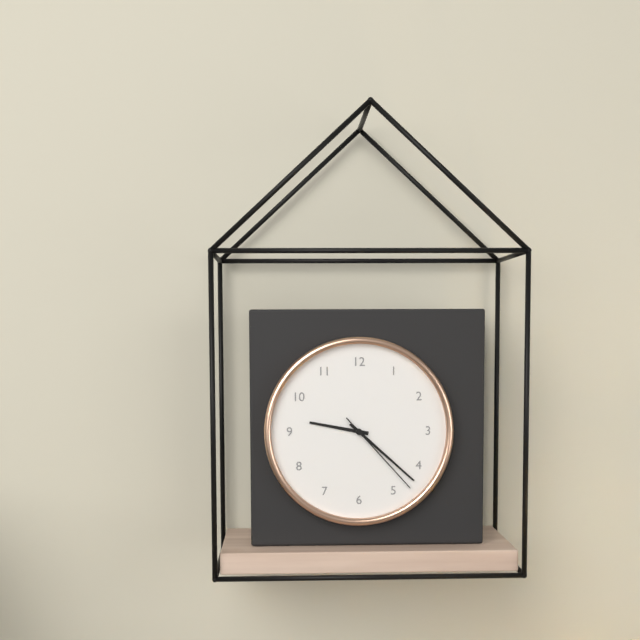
**9:22:23**
